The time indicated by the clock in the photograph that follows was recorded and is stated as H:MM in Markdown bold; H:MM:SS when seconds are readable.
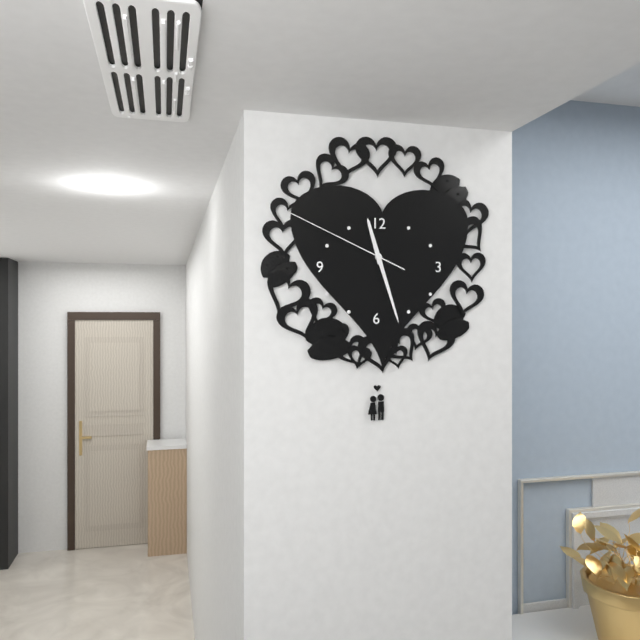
**11:27:49**
